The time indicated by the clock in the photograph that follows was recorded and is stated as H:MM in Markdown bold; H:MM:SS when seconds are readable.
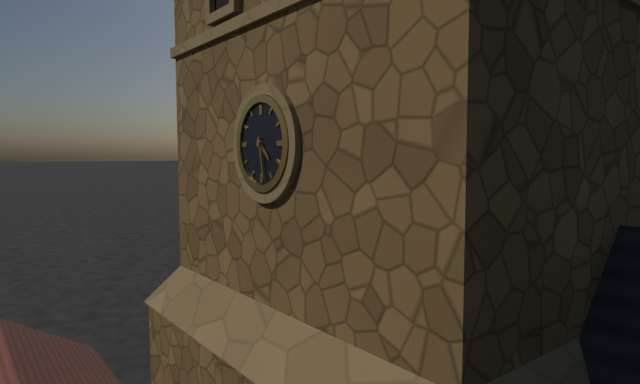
**4:28**
